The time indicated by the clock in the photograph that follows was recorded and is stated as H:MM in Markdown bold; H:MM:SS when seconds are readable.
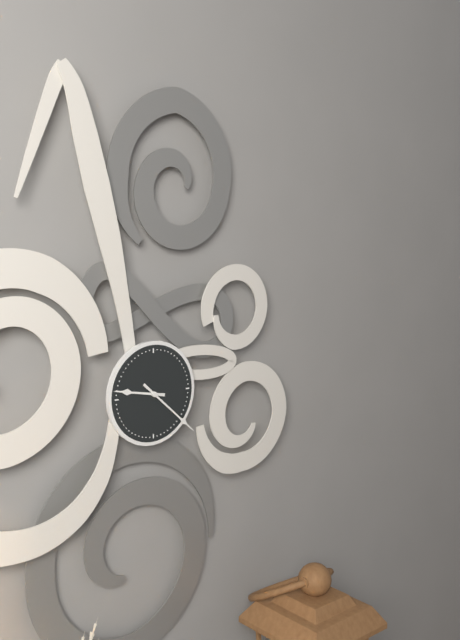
**9:22**
